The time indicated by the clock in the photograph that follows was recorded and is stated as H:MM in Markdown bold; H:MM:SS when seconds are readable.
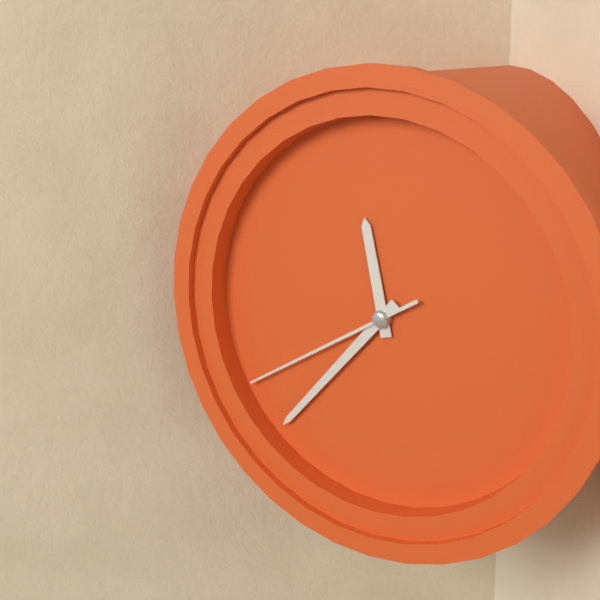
**11:37:40**
